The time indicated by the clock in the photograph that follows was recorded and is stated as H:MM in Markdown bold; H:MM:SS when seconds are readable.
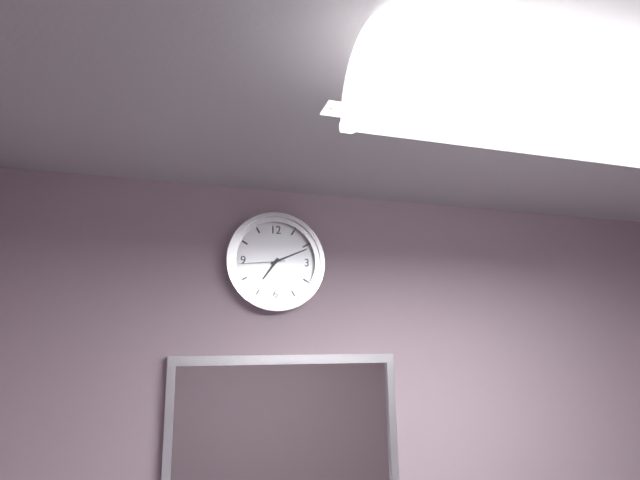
**7:11**
